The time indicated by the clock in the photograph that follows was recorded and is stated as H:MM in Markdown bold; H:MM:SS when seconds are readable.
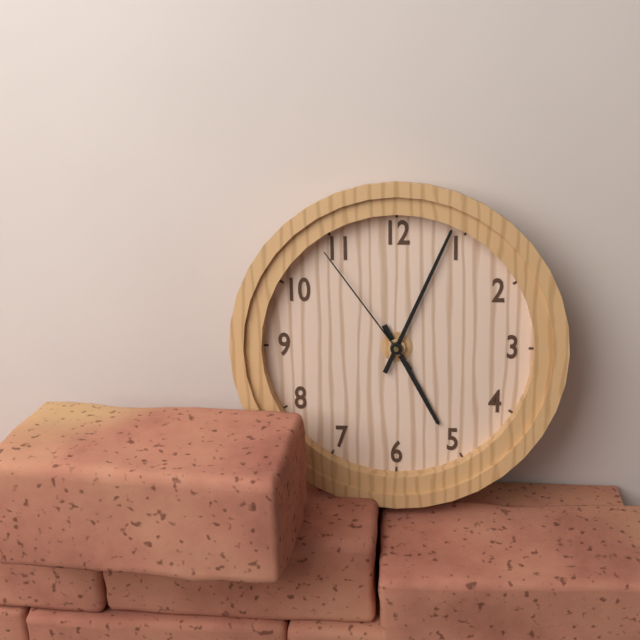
**5:04:54**
